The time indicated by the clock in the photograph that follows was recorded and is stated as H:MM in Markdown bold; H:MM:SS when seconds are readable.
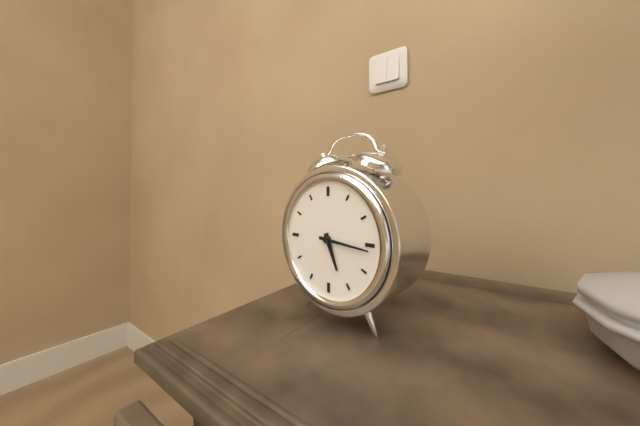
**5:16**
